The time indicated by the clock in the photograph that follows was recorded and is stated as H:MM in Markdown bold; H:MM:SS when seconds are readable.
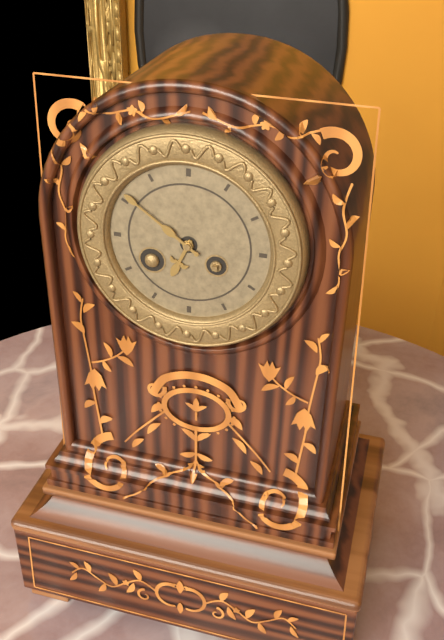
**6:51**
